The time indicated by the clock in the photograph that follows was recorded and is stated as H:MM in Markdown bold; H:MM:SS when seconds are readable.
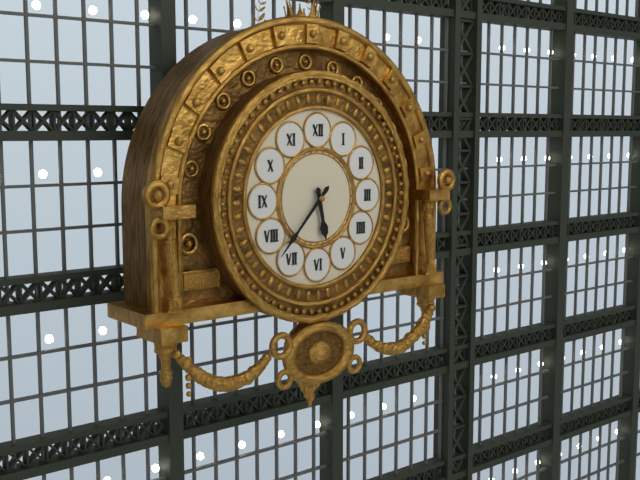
**5:37**
